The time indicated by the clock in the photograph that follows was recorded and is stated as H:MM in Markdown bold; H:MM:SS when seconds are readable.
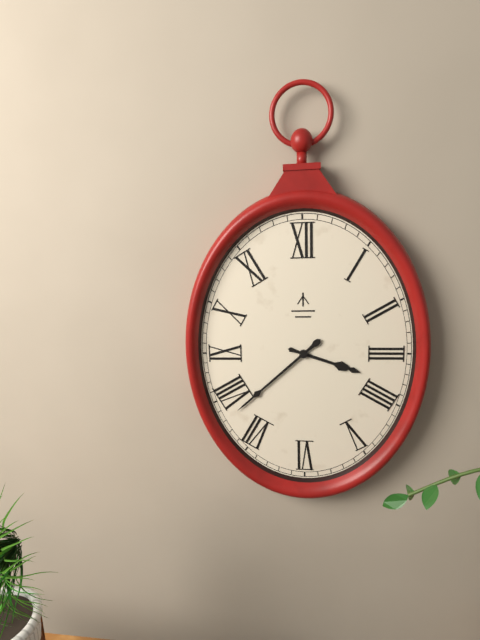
**3:38**
